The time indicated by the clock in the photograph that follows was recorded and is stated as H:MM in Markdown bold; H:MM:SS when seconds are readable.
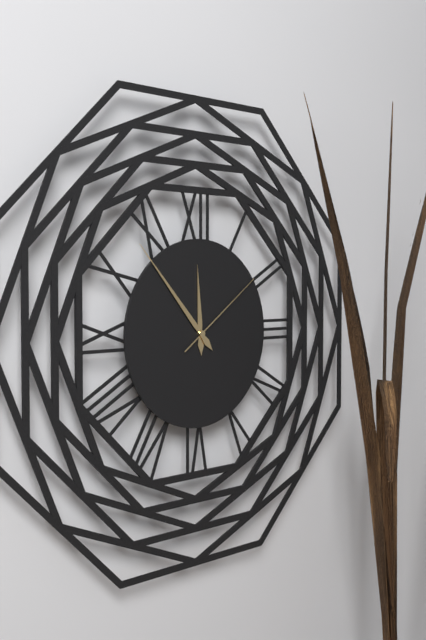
**11:53:09**
